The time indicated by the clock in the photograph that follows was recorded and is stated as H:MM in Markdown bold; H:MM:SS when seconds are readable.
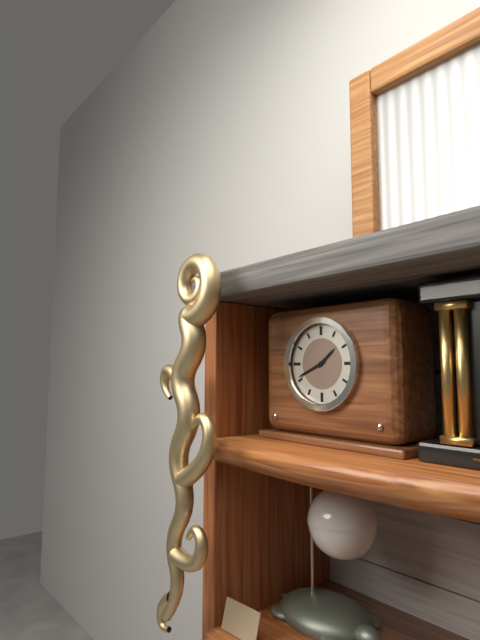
**1:41**
